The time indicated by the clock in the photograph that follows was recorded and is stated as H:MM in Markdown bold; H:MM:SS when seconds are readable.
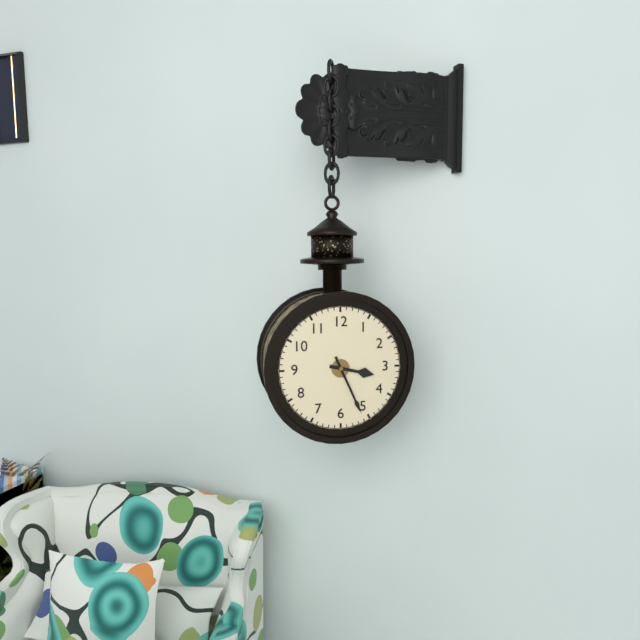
**3:26**
